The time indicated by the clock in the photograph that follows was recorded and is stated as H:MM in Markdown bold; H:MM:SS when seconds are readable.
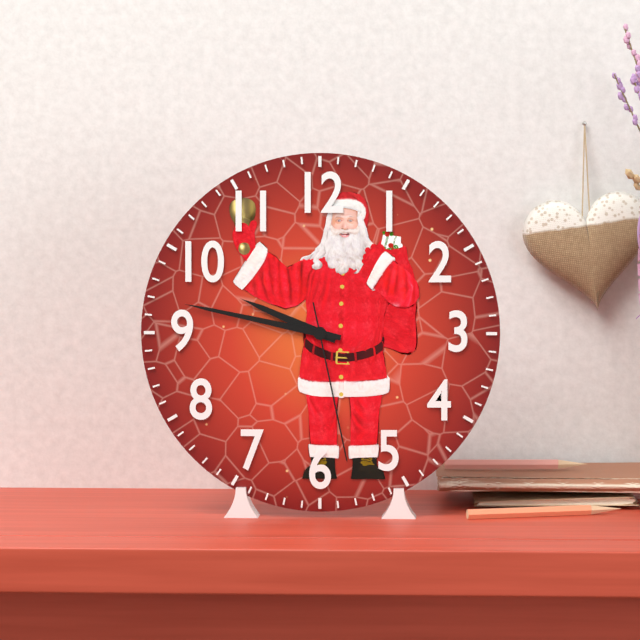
**9:47:28**
